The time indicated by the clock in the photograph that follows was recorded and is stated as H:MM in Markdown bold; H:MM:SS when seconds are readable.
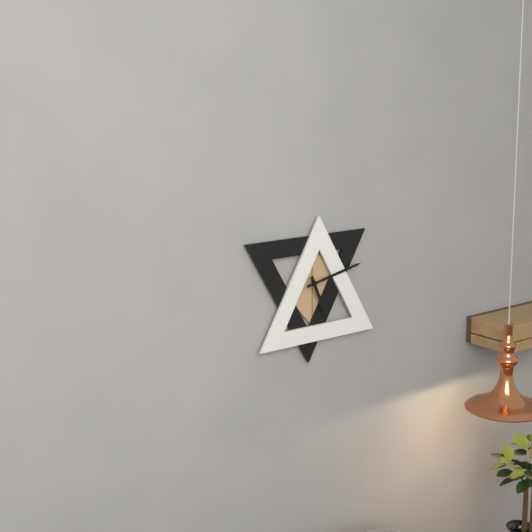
**5:13**
